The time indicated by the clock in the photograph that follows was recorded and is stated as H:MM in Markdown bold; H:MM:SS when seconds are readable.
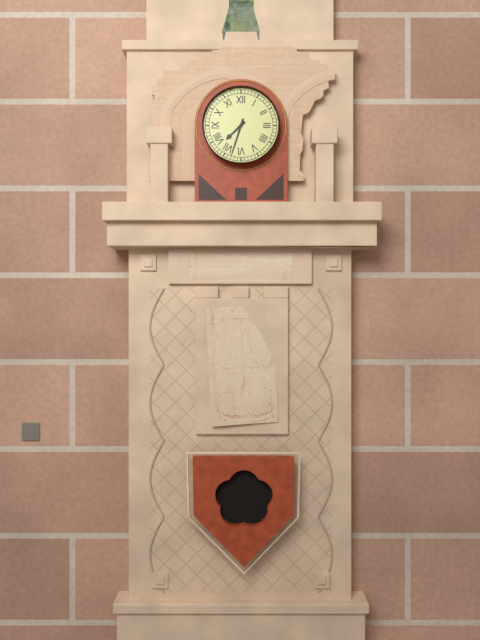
**7:33**
